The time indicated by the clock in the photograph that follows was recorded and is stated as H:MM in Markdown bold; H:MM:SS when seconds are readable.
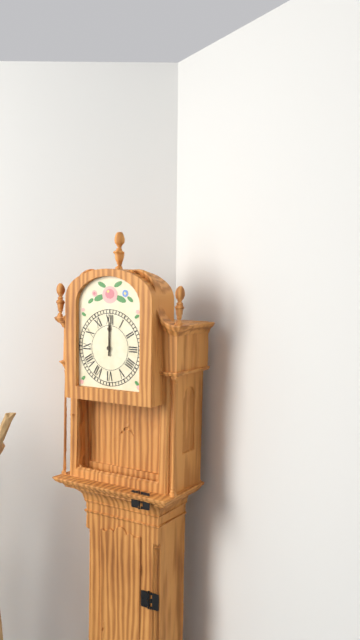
**12:00**
